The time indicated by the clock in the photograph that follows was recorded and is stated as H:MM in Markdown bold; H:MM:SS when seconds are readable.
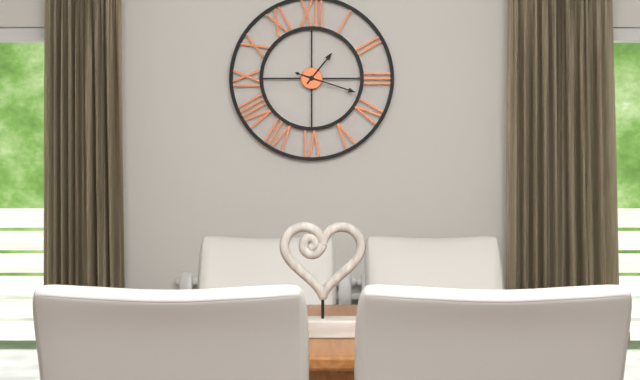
**1:18**
